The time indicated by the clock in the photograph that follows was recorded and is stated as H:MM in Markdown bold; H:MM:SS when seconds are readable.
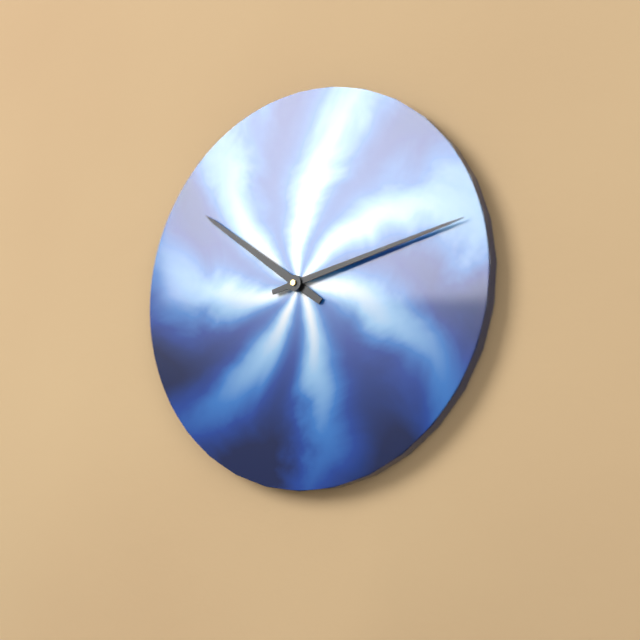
**10:13**
